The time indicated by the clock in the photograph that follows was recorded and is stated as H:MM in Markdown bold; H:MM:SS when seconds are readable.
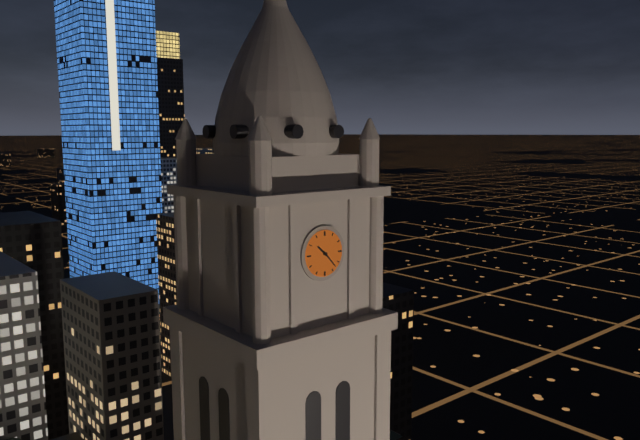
**10:23**
